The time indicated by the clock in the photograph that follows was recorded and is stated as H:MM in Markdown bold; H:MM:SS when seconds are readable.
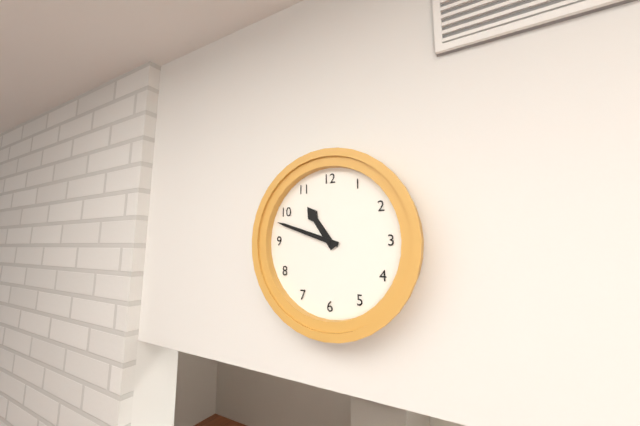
**10:48**
